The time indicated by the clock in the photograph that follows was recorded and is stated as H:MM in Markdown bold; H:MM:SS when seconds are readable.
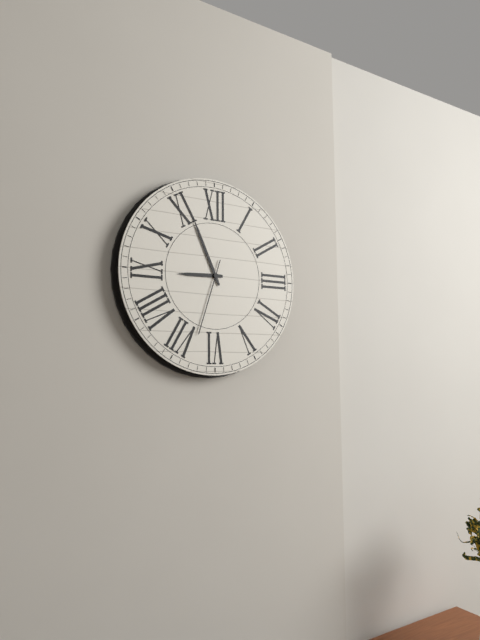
**8:56:33**
